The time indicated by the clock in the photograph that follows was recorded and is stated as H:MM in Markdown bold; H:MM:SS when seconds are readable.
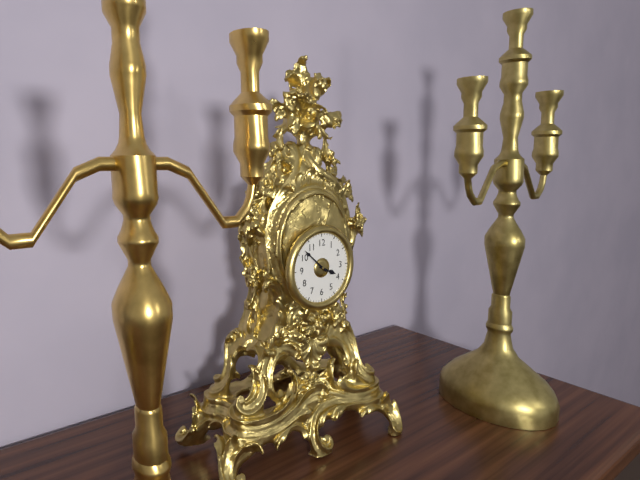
**3:52**
